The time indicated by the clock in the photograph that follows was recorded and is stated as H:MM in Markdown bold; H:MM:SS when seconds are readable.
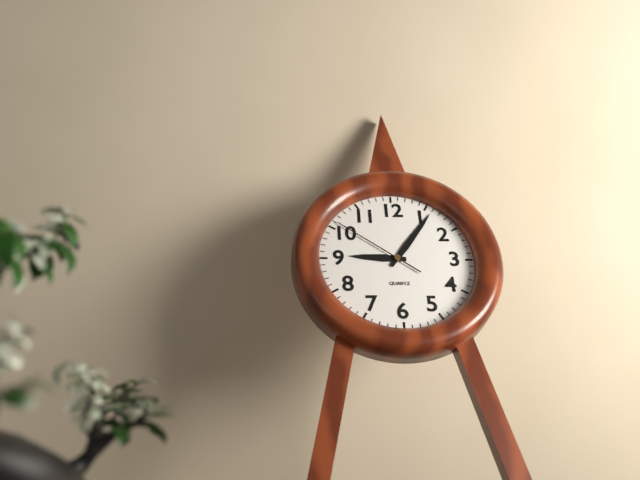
**9:06:51**
